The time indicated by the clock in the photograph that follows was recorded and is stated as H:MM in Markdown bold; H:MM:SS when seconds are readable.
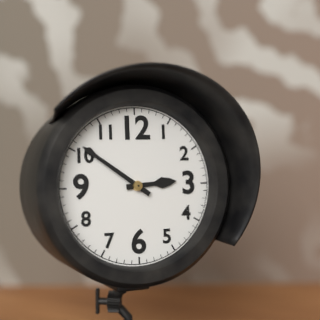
**2:51**
